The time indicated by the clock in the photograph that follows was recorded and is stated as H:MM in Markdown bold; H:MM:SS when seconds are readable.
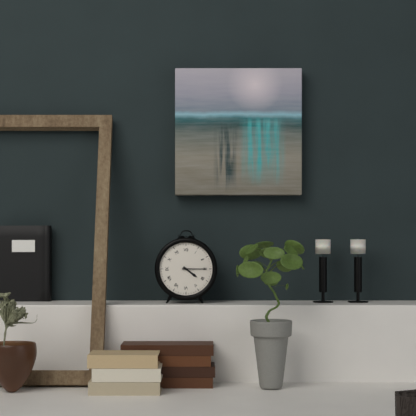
**4:15**
